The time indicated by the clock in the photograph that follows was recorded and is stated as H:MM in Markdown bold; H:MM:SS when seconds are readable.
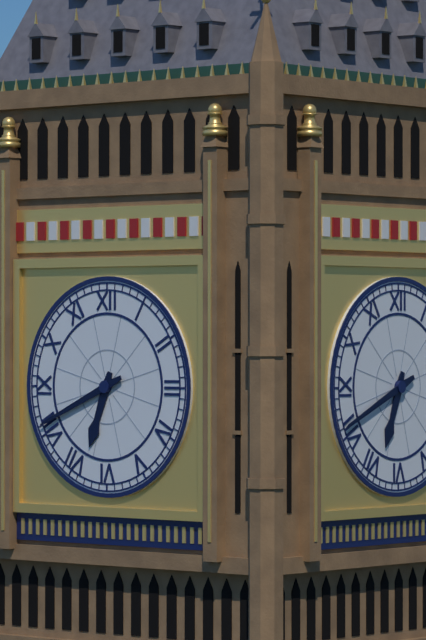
**6:41**
